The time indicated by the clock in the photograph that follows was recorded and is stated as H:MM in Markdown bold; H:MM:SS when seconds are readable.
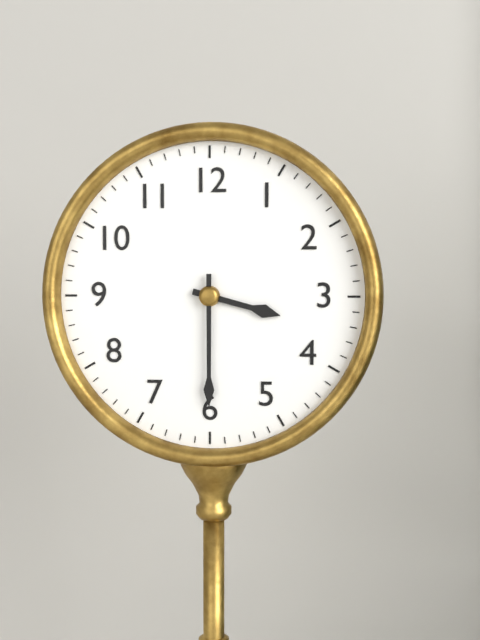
**3:30**
